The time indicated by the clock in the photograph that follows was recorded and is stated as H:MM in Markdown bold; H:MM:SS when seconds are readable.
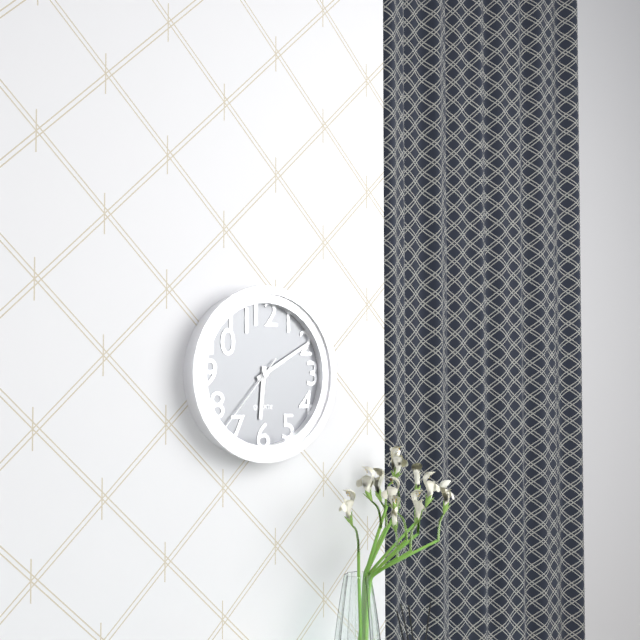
**6:10:37**
